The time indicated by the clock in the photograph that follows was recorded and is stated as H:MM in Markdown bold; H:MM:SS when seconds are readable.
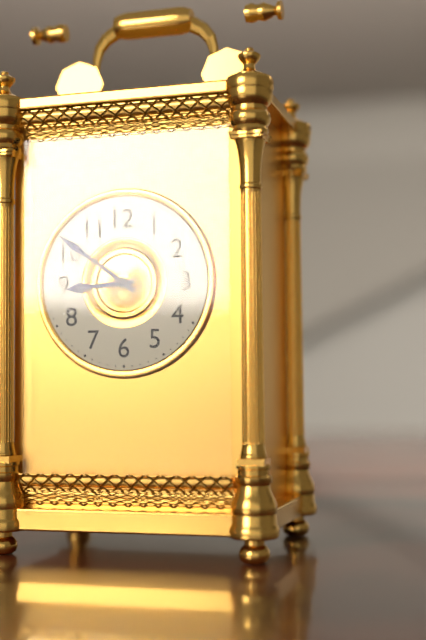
**8:51**
